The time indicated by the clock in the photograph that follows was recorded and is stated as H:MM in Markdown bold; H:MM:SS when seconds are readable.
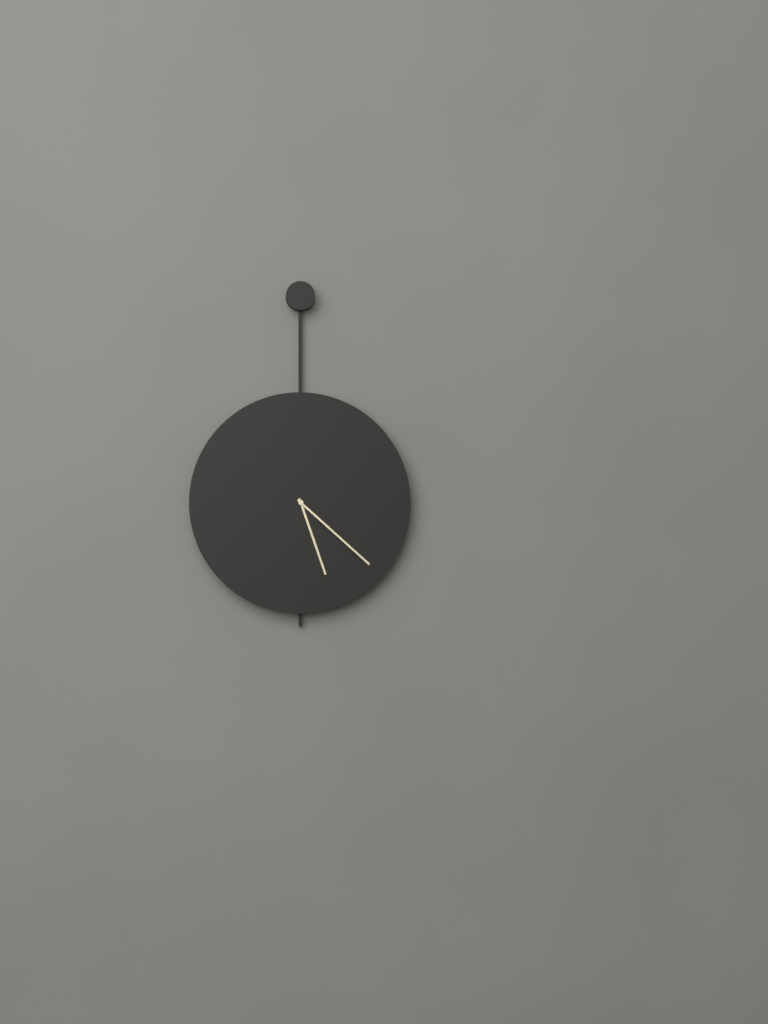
**5:22**
